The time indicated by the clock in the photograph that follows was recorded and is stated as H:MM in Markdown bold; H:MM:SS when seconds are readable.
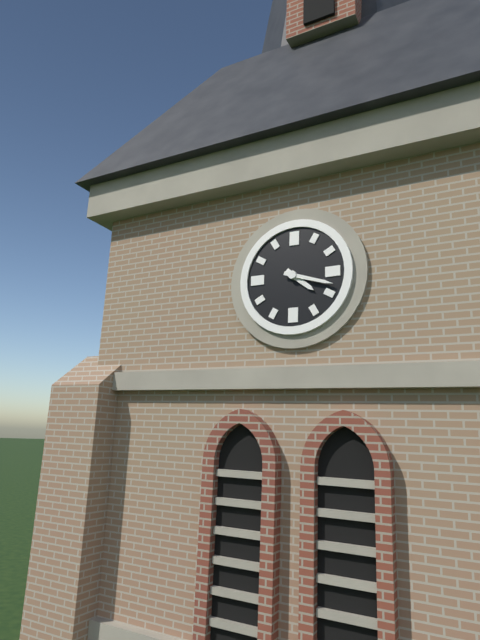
**4:18**
